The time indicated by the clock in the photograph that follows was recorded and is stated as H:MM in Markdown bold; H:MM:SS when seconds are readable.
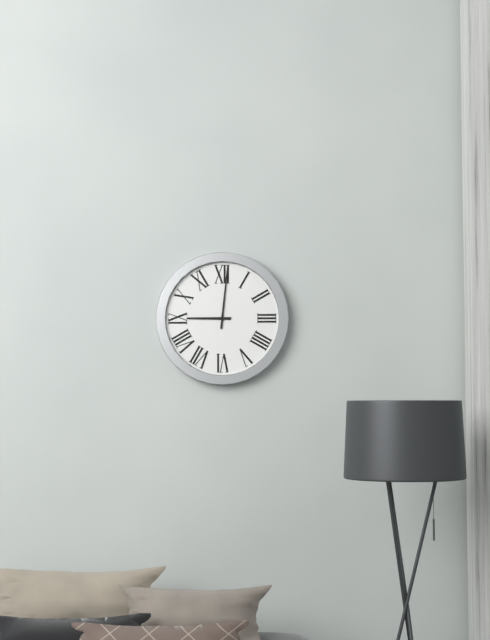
**9:01**
